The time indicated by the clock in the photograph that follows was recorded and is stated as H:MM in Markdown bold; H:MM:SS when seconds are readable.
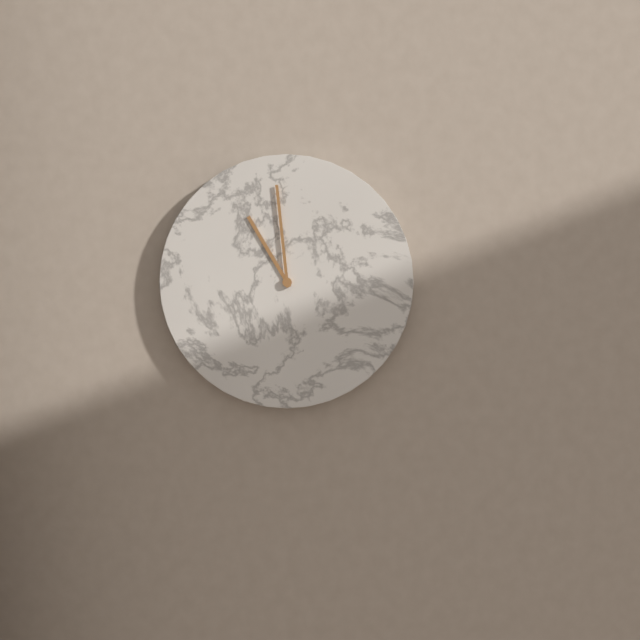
**10:59**
